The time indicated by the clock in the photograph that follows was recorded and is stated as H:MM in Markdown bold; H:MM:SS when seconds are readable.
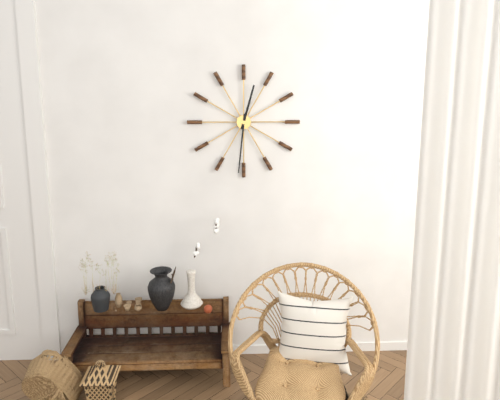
**12:31**
